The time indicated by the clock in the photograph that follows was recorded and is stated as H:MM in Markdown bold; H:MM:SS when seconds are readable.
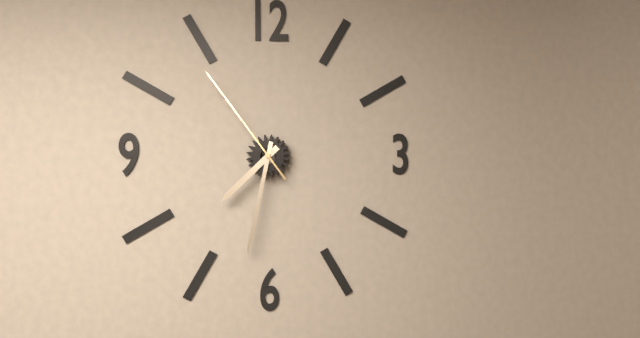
**7:32:54**
